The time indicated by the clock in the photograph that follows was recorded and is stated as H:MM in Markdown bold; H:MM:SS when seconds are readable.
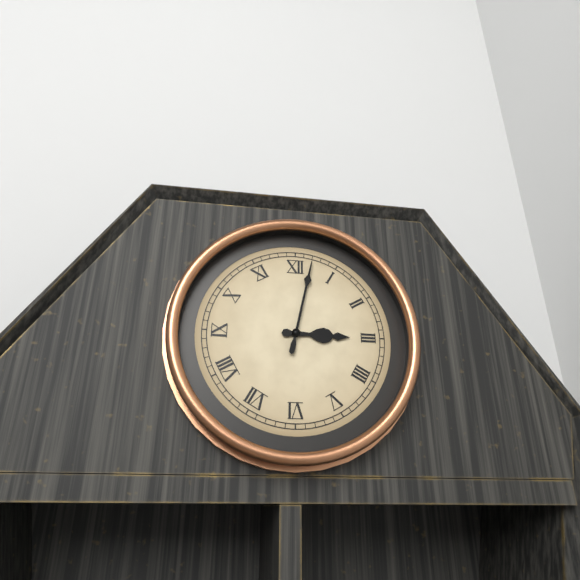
**3:02**
